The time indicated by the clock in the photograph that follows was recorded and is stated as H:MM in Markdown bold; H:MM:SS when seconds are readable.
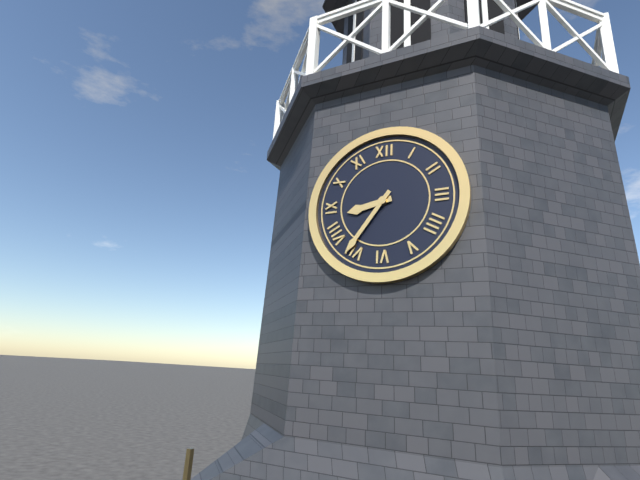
**8:36**
